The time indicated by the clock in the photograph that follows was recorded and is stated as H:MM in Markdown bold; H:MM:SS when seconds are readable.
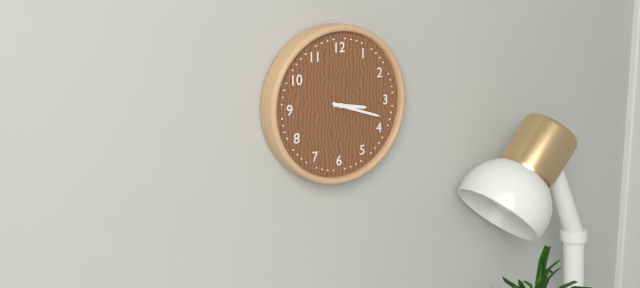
**3:18**
